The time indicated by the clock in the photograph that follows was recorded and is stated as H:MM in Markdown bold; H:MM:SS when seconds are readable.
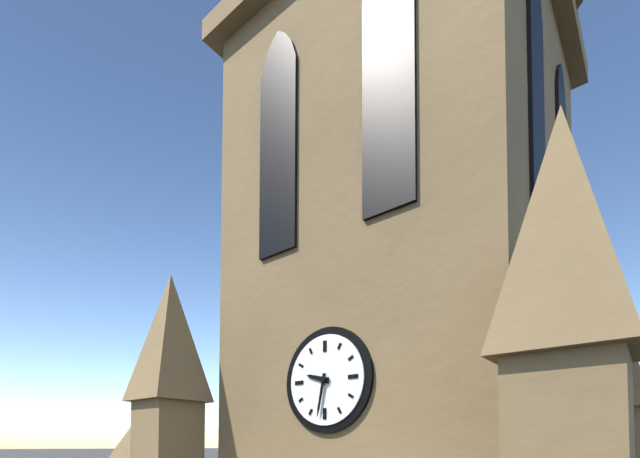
**9:32**
